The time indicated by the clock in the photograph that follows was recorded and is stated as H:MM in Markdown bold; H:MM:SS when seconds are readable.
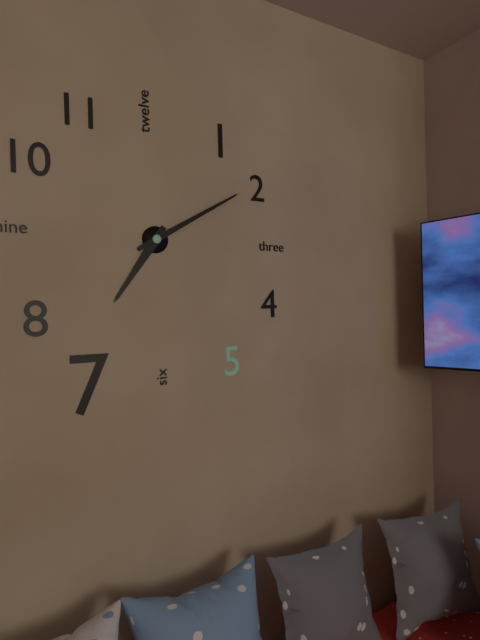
**7:10**
